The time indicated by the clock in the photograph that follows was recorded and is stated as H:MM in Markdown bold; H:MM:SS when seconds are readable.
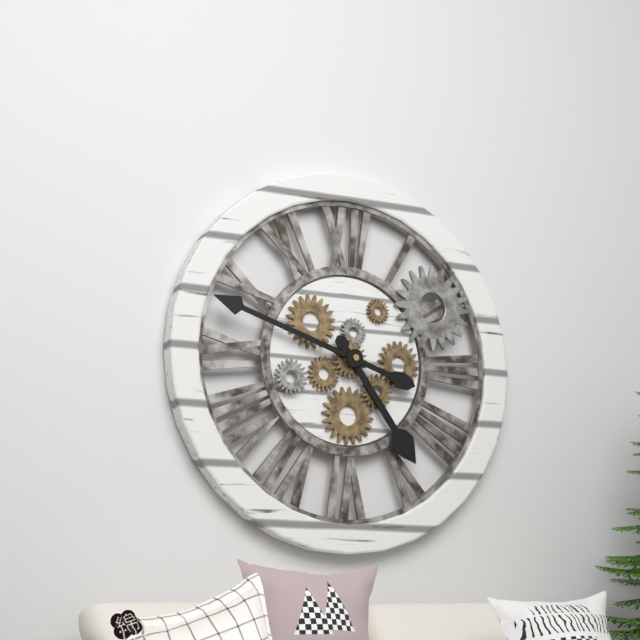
**4:48**
